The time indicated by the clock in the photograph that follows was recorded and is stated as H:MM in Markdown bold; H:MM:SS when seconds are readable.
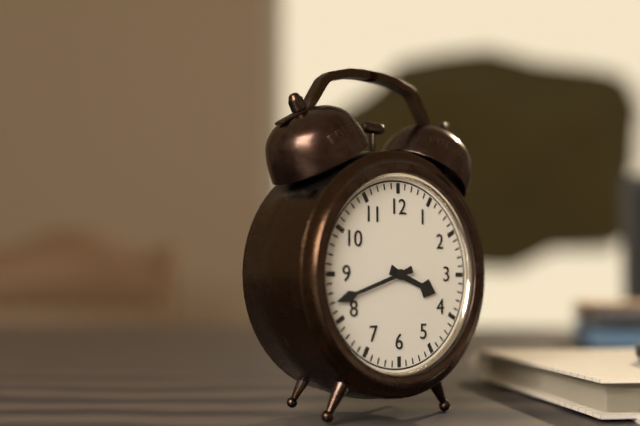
**3:42**
